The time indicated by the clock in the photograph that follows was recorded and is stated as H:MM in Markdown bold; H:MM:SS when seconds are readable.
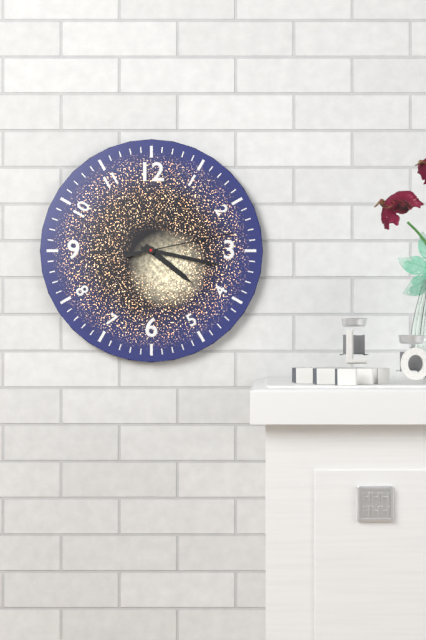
**4:17:13**
